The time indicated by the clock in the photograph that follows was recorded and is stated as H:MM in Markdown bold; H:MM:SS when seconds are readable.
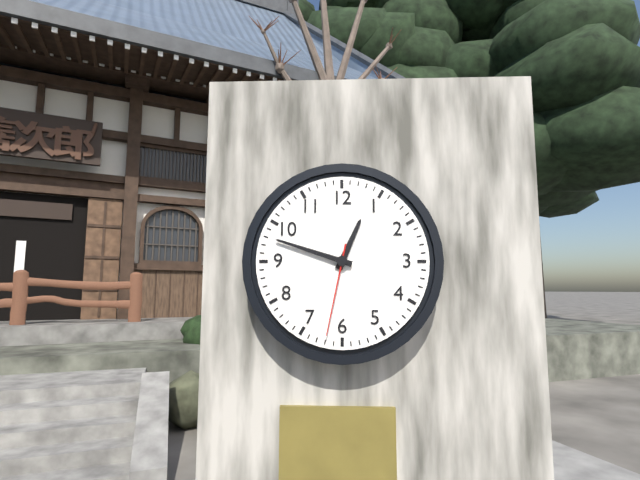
**12:48:32**
